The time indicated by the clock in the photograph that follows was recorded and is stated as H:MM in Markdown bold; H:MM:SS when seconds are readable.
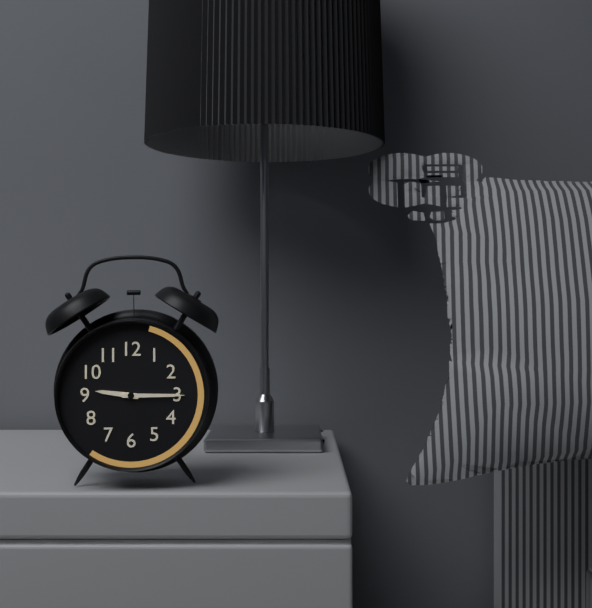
**9:15**
